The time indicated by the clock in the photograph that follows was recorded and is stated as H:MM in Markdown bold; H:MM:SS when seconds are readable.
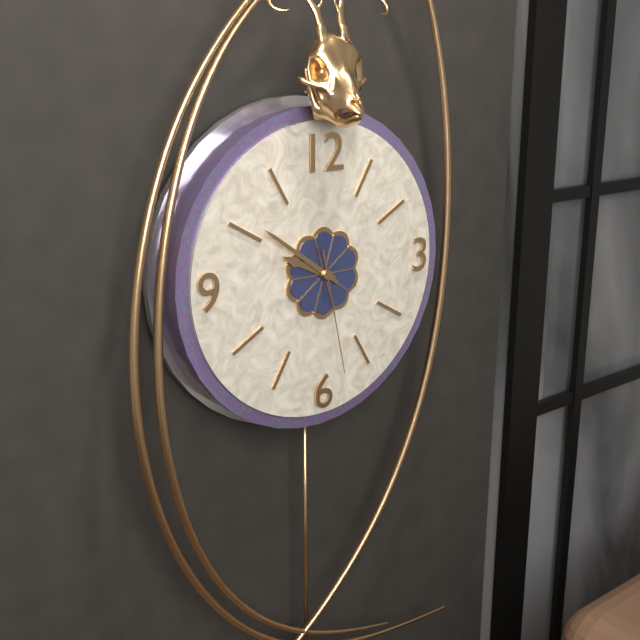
**9:51:28**
